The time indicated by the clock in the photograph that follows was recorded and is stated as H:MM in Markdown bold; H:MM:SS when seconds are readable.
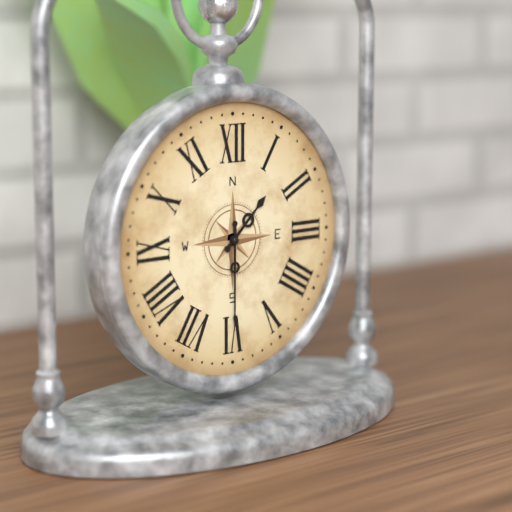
**1:30**
